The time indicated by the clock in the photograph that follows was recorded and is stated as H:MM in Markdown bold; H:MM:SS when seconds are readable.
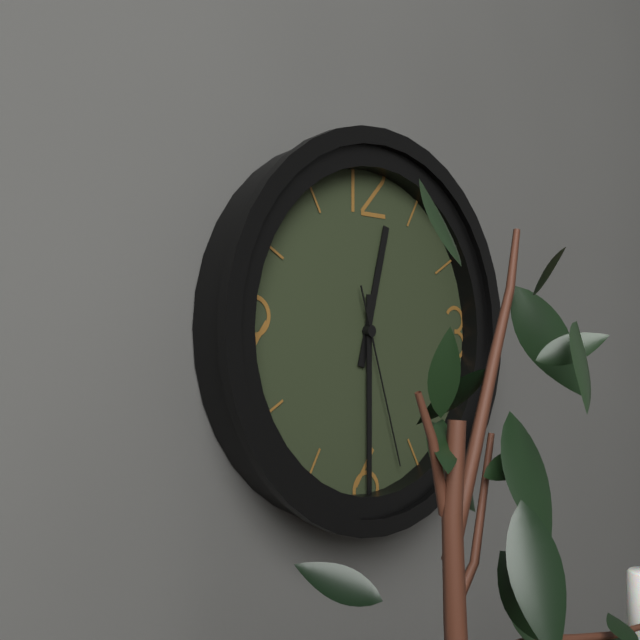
**12:30:27**
